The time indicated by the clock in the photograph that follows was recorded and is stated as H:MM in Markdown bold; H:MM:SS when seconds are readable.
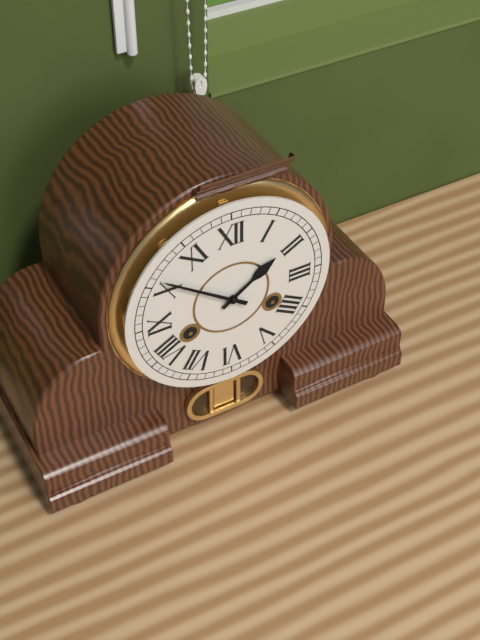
**1:51**
